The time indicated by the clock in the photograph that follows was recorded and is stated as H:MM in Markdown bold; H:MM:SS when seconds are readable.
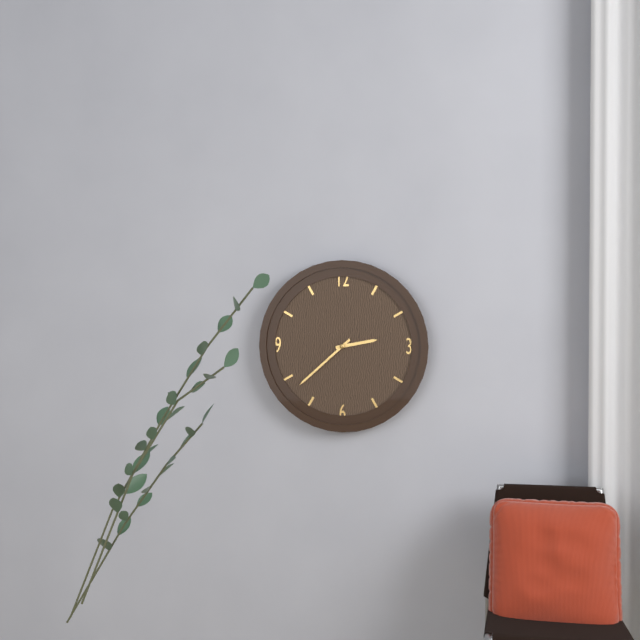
**2:38**
